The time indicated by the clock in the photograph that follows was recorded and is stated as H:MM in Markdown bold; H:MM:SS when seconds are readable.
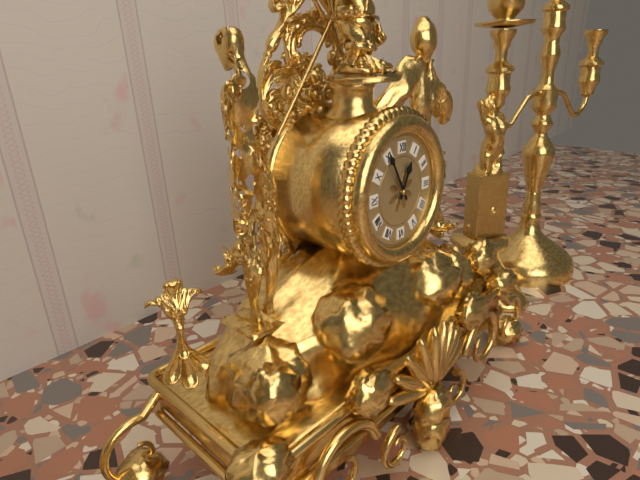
**12:55**
